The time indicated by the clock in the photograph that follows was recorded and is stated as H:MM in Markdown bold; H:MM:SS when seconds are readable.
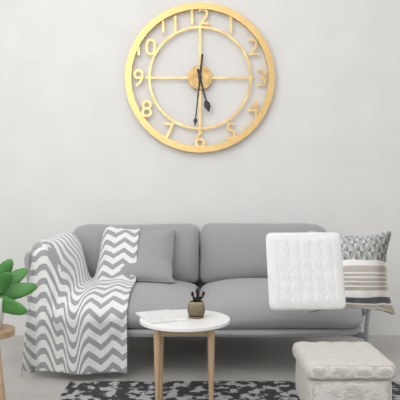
**5:31**
